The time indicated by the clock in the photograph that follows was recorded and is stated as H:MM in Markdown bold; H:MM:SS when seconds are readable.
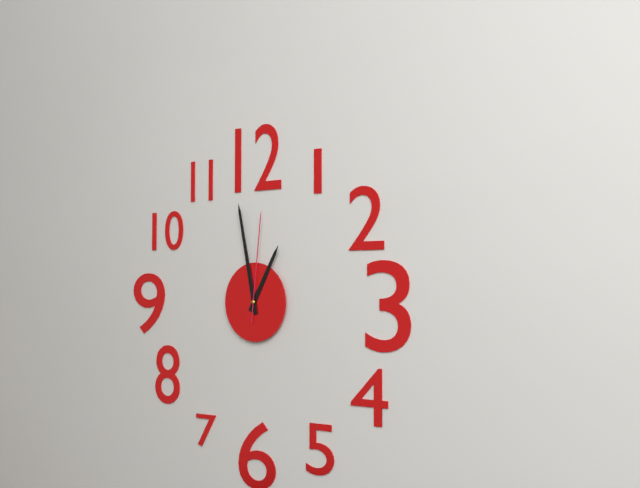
**12:58:01**
